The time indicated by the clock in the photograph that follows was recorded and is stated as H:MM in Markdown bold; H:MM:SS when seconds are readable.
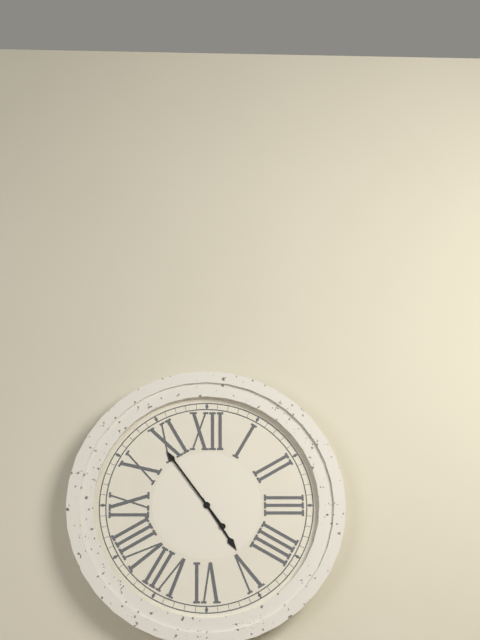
**4:54**
